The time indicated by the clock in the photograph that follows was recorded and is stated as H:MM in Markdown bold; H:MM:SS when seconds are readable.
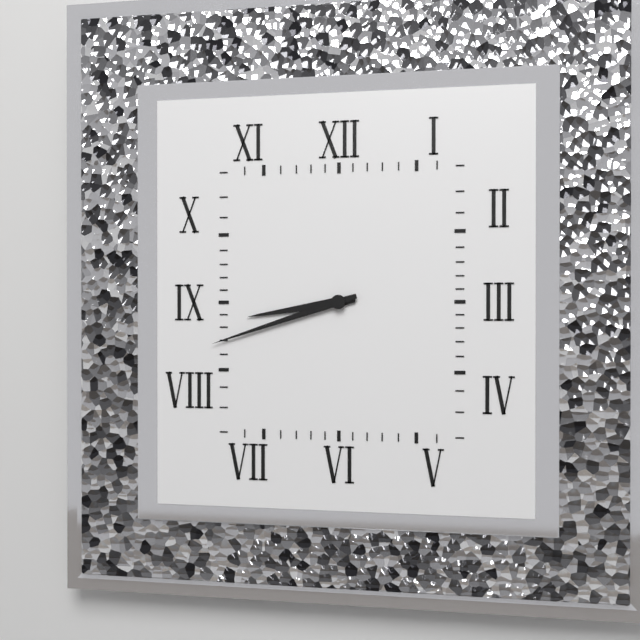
**8:42**
